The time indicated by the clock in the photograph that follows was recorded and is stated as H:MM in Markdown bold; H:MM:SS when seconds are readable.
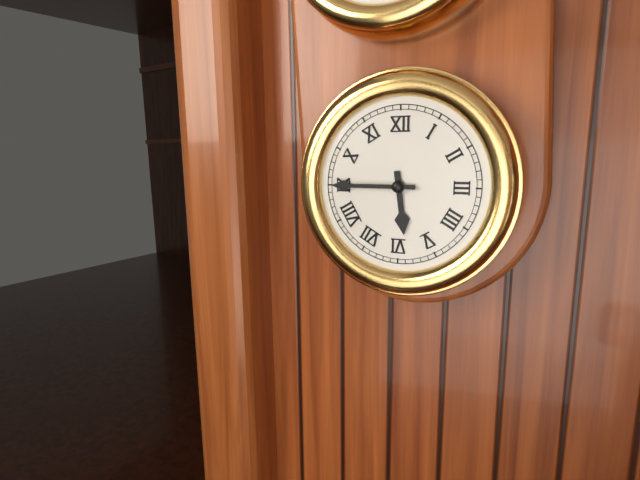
**5:45**
